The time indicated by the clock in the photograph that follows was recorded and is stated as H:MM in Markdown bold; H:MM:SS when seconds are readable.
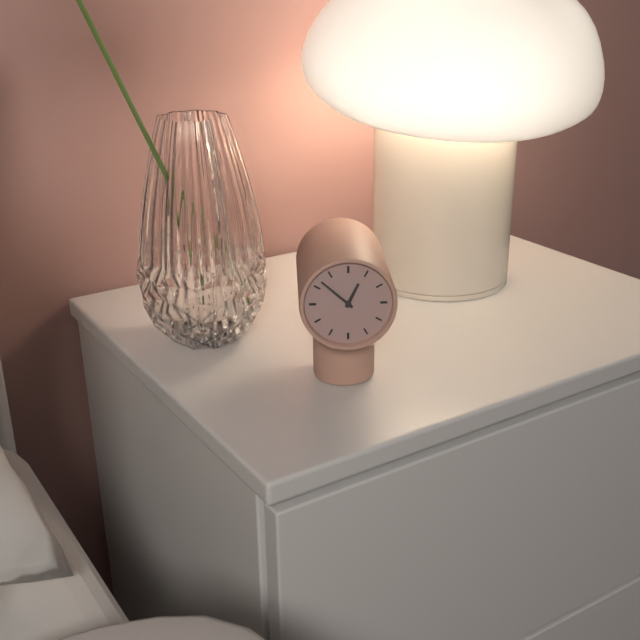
**12:52**
